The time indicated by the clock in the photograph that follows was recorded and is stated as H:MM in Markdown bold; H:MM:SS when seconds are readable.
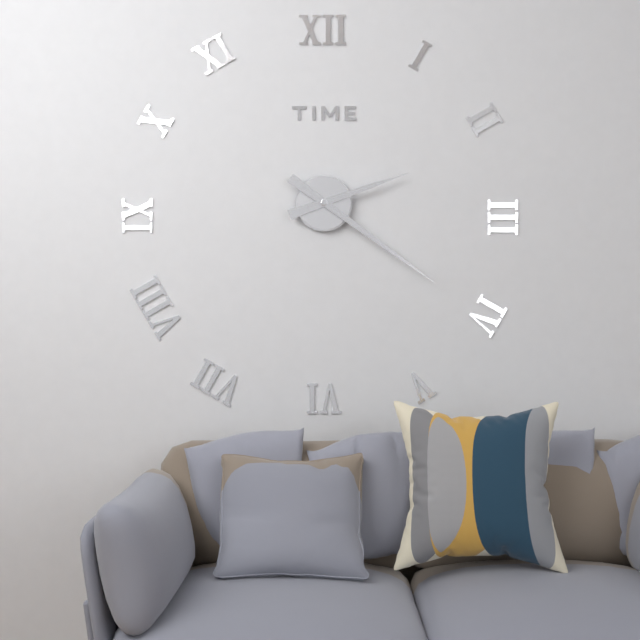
**2:21**
